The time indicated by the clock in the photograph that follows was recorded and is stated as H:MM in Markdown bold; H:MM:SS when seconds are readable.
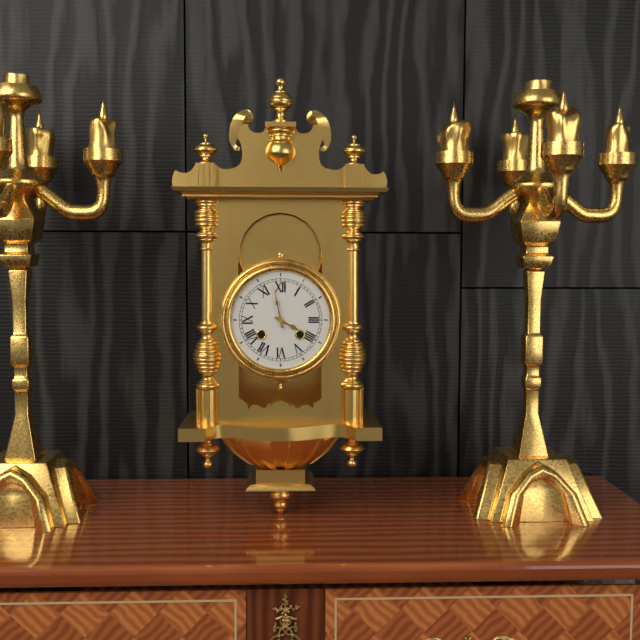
**3:58**
